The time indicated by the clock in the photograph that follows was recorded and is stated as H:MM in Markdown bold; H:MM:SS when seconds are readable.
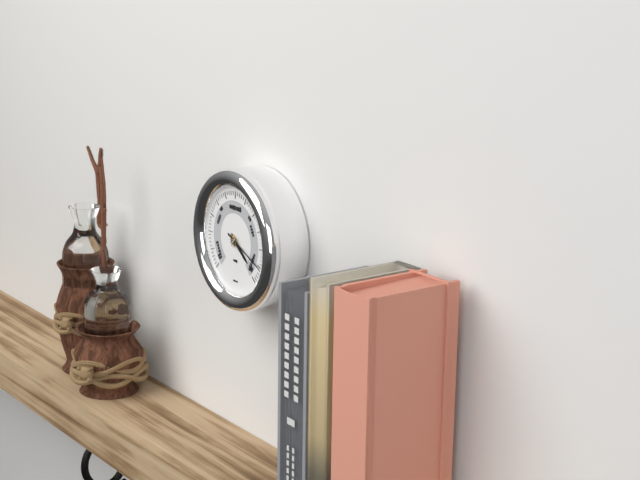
**4:19**
